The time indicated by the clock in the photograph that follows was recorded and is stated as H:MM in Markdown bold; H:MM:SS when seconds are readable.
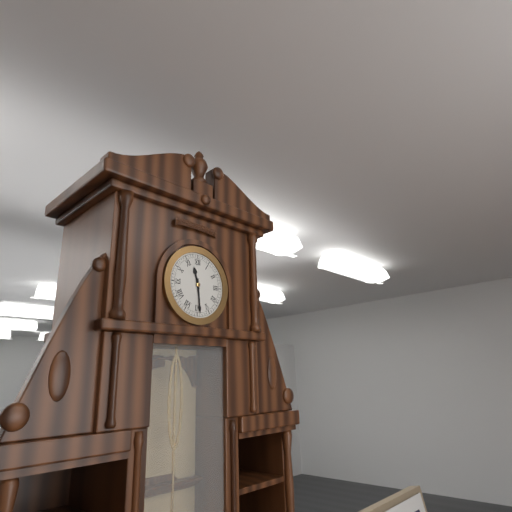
**11:29**
